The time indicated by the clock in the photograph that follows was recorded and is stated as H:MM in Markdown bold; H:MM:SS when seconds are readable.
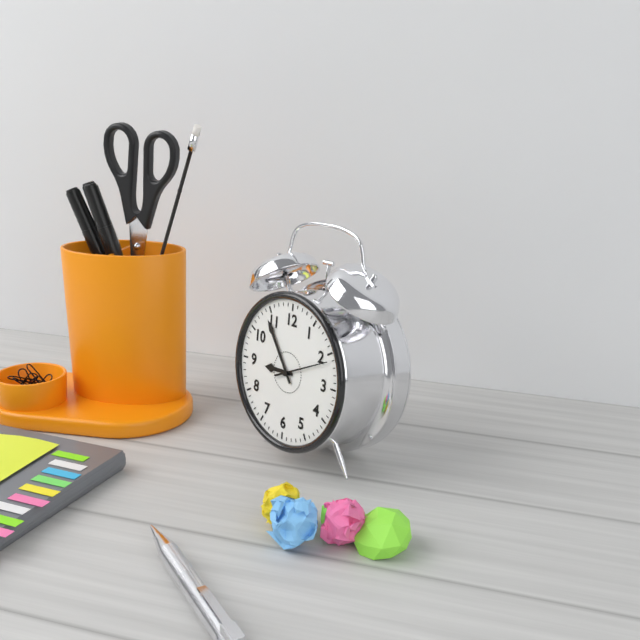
**8:54:11**
